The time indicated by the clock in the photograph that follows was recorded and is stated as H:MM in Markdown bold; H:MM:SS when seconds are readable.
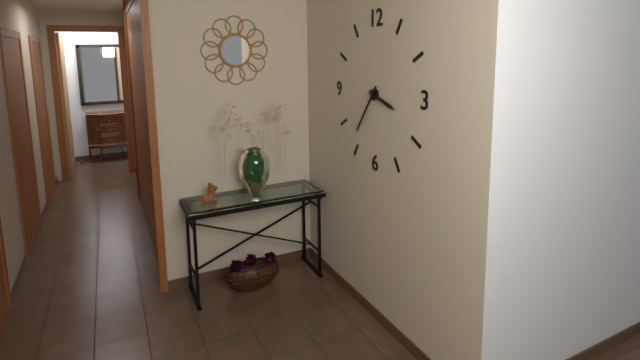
**3:36**
